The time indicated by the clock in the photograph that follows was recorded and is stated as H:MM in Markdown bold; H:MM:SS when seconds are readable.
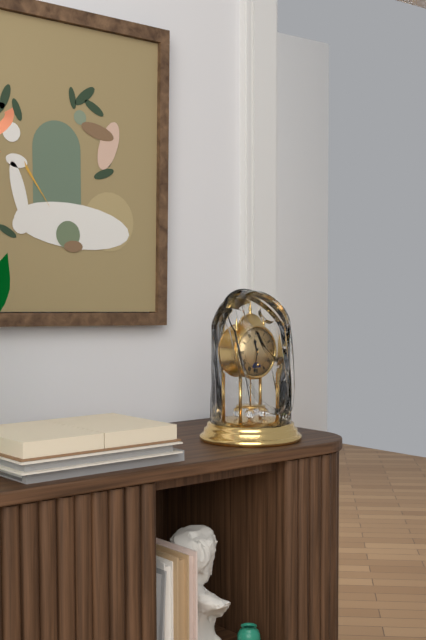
**11:32**
